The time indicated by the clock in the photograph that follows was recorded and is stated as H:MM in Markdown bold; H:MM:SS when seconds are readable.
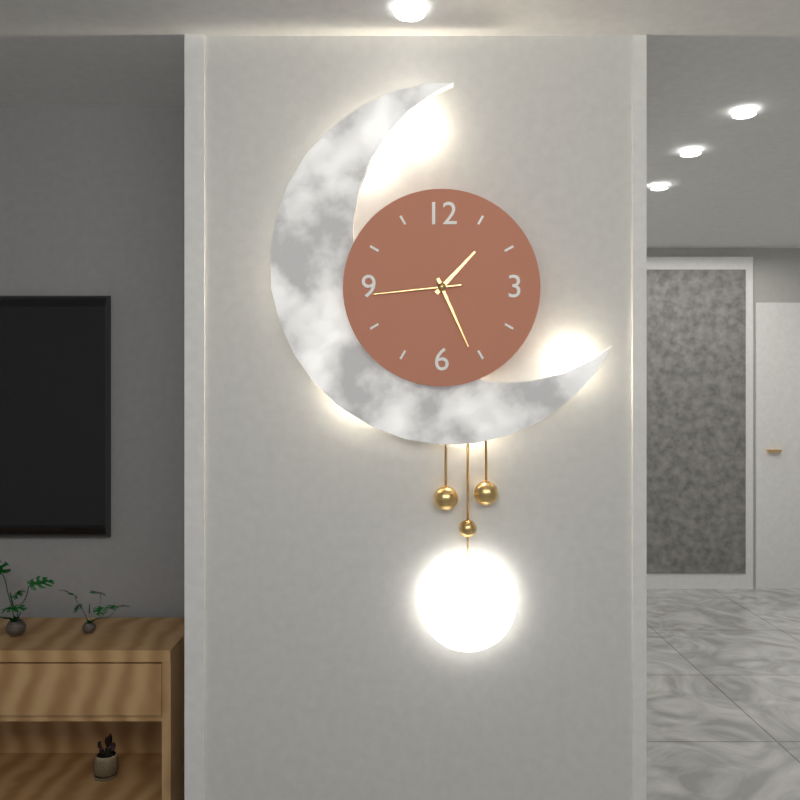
**1:26:44**
